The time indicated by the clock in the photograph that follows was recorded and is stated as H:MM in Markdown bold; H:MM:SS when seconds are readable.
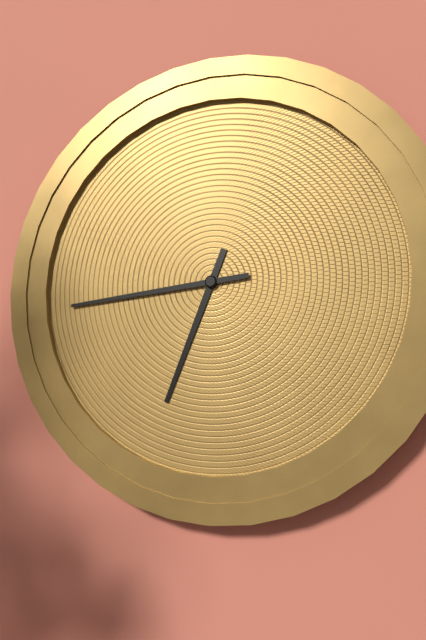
**6:44**
